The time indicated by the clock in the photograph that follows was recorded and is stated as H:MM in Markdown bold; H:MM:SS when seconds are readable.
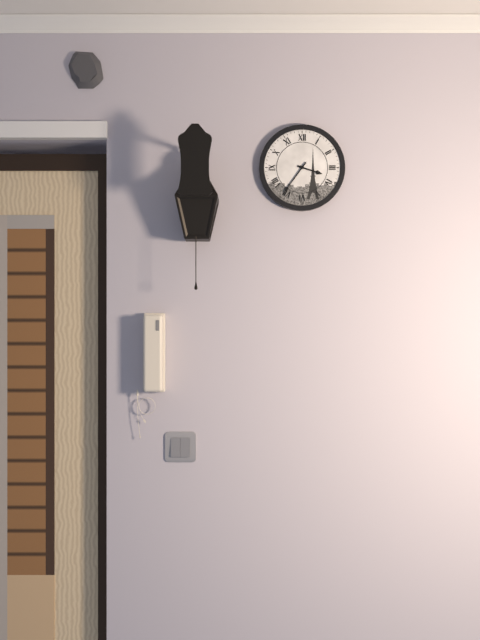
**3:36**
